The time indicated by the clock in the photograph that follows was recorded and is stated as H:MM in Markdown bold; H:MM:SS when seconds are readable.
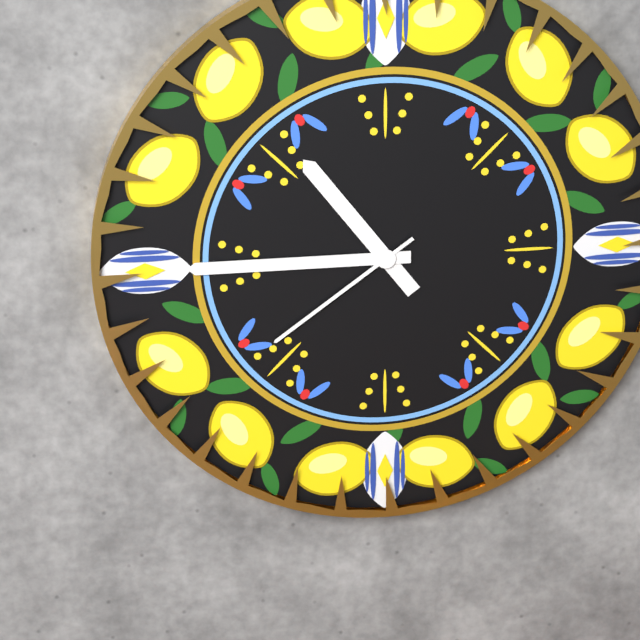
**10:45:39**
